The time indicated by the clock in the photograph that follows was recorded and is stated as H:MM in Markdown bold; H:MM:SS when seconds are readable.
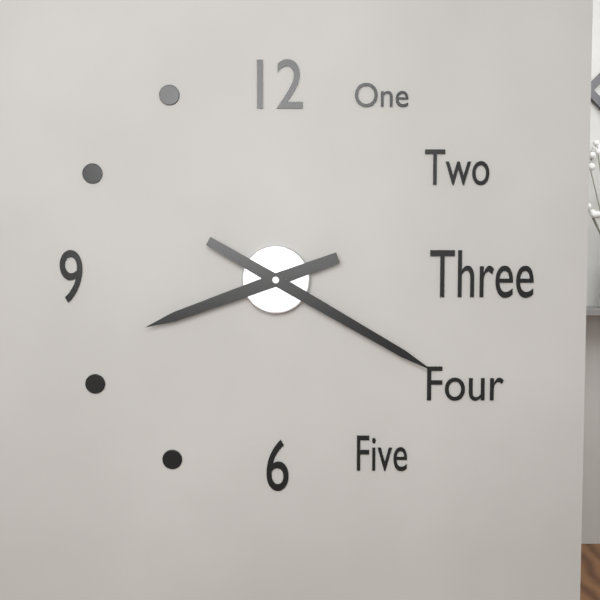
**8:20**
